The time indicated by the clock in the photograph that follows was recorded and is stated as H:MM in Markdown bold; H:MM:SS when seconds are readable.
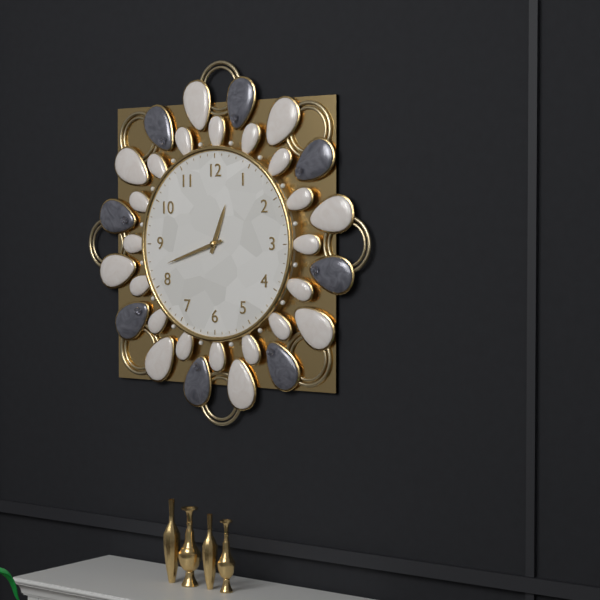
**12:42**
